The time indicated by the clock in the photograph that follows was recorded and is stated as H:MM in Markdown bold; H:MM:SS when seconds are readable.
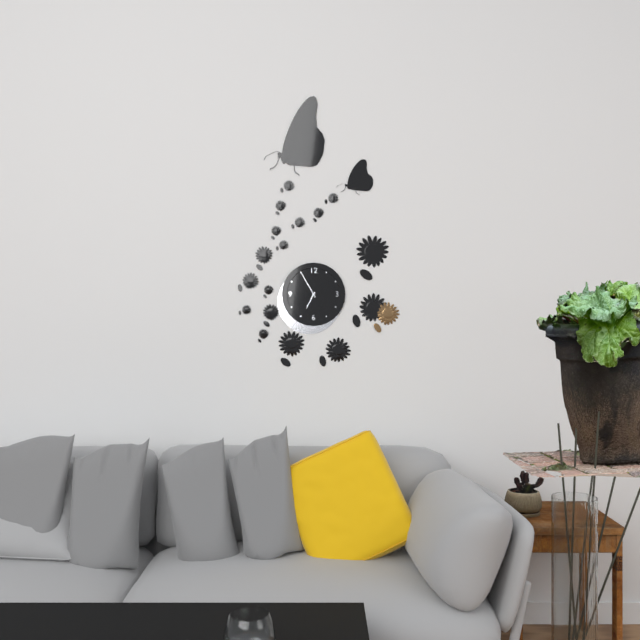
**6:55**
